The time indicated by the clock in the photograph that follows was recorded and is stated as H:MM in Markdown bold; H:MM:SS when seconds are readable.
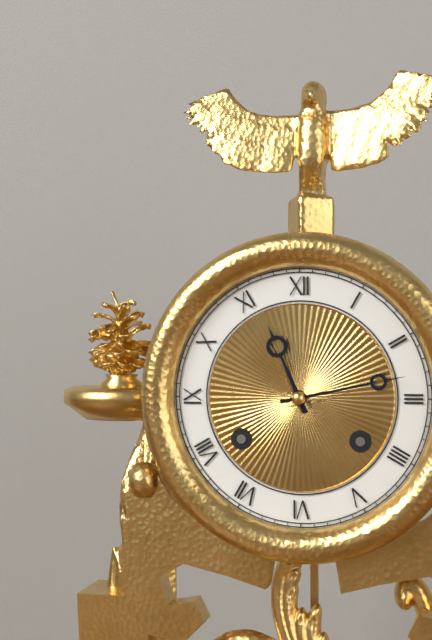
**11:13**
